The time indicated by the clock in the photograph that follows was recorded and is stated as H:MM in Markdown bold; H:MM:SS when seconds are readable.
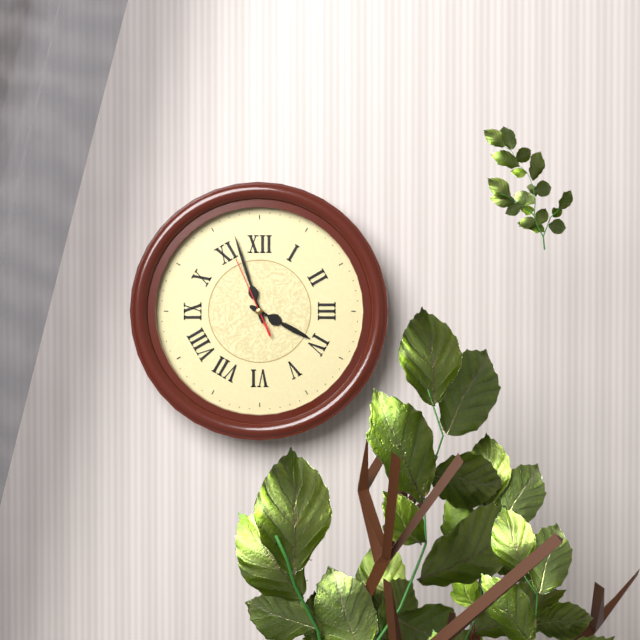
**3:57:56**
